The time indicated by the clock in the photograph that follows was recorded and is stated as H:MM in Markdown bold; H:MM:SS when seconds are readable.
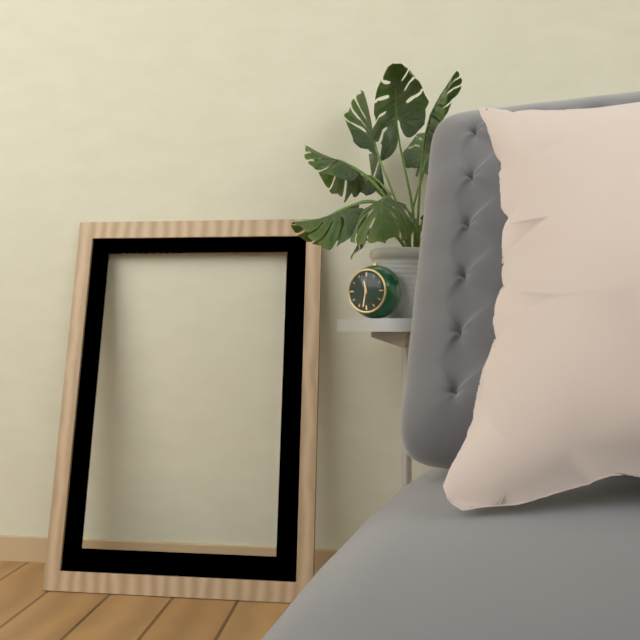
**11:32**
